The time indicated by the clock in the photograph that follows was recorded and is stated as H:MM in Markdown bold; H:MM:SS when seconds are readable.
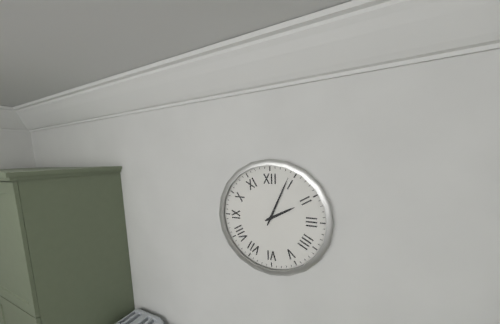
**2:04**
